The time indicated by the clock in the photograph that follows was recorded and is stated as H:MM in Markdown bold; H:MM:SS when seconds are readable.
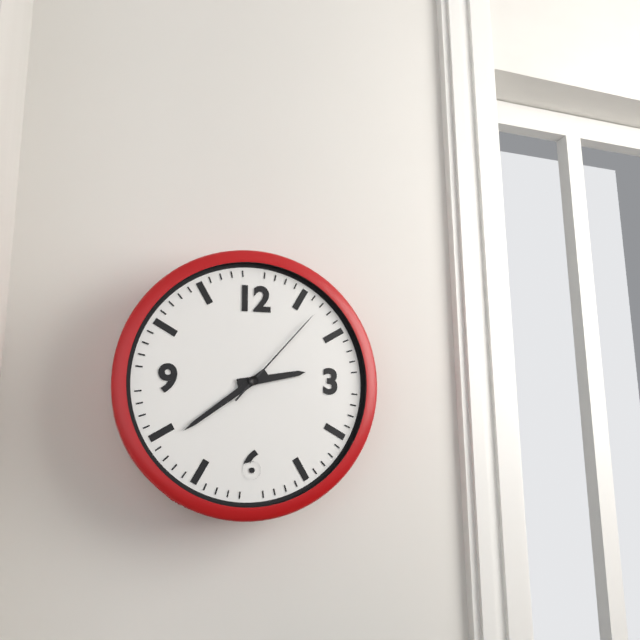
**2:39:07**
